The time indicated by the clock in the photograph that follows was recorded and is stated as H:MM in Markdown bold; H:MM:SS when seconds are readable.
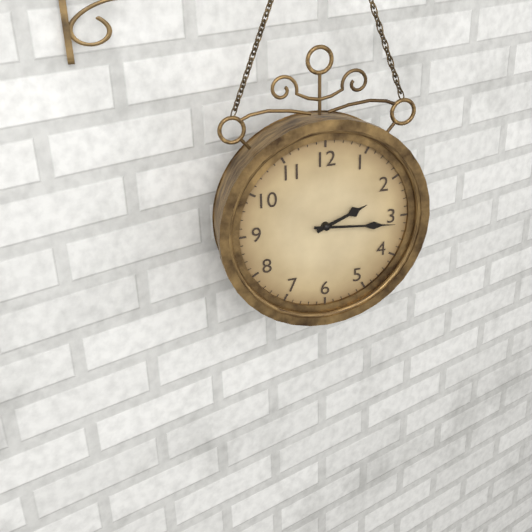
**2:16**
